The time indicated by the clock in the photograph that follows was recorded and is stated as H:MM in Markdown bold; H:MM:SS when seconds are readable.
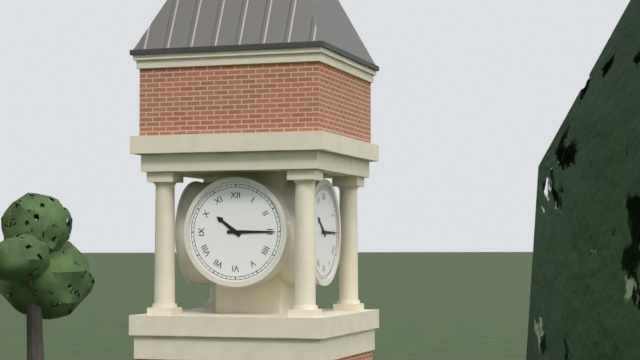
**10:15**
